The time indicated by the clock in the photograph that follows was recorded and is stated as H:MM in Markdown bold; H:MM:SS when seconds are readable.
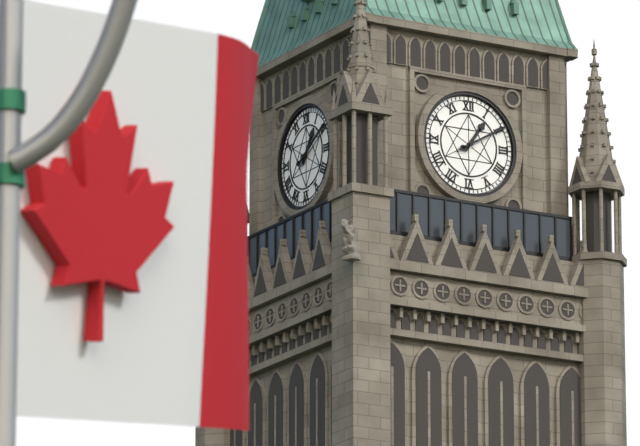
**1:10**
